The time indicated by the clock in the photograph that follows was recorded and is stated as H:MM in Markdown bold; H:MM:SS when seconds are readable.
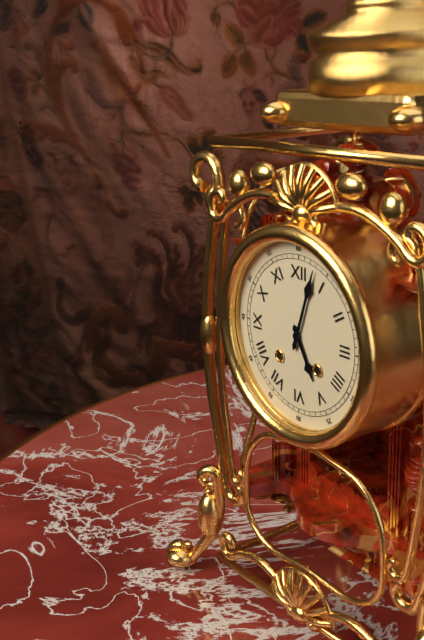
**5:03**
